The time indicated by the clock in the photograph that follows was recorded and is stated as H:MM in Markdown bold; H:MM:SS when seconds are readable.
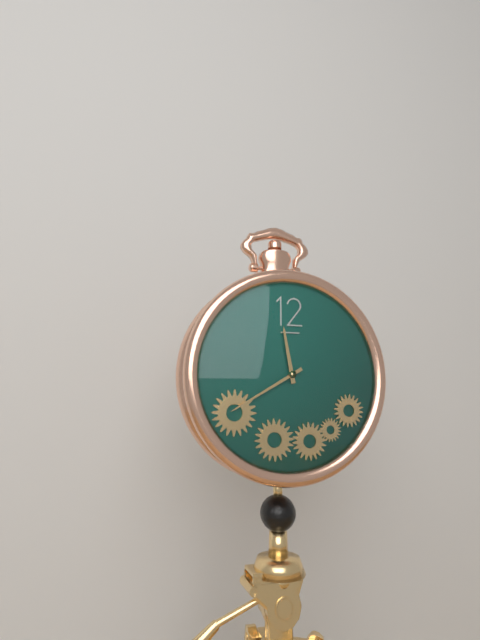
**11:40**
